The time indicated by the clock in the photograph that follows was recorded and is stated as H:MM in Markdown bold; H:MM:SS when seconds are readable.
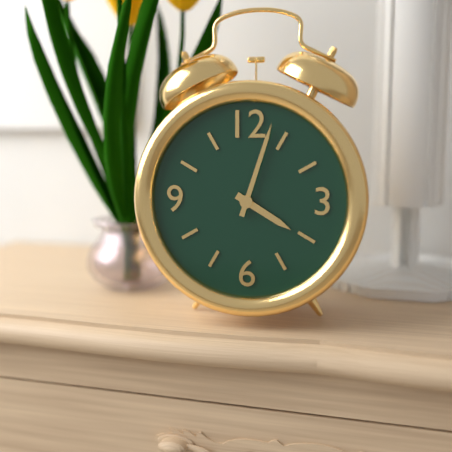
**4:03**
